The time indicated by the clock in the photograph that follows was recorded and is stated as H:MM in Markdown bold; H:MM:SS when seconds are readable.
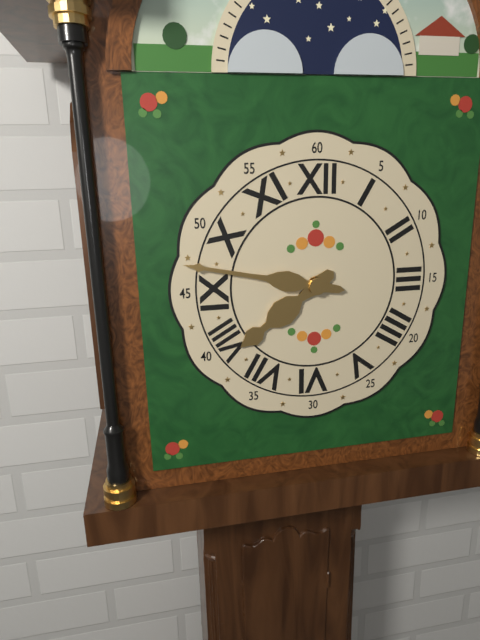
**7:47**
